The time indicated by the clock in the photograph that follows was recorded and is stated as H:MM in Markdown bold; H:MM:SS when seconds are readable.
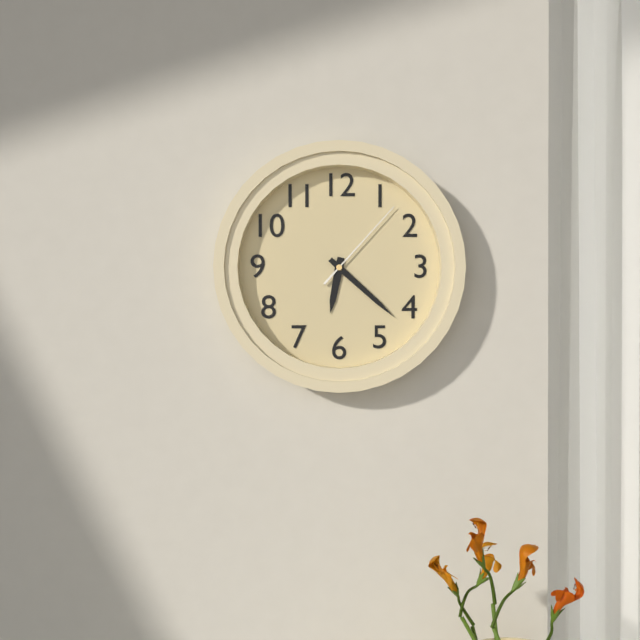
**6:22:07**
